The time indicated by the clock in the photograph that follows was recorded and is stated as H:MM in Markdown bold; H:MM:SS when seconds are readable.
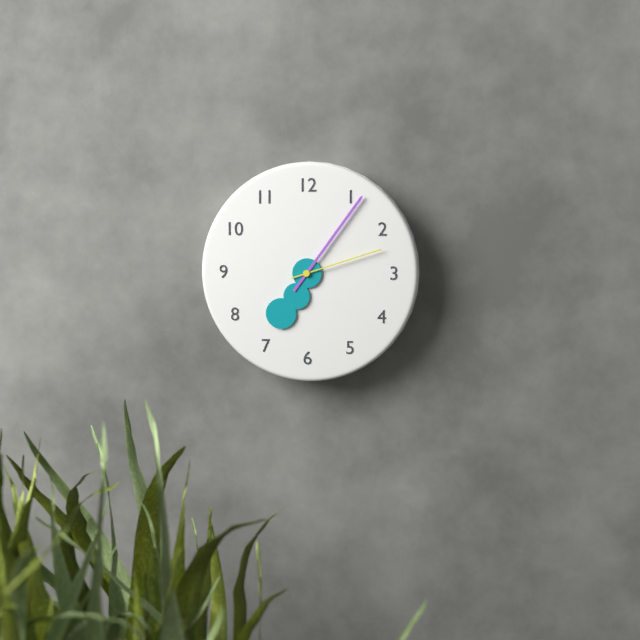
**7:06:12**
